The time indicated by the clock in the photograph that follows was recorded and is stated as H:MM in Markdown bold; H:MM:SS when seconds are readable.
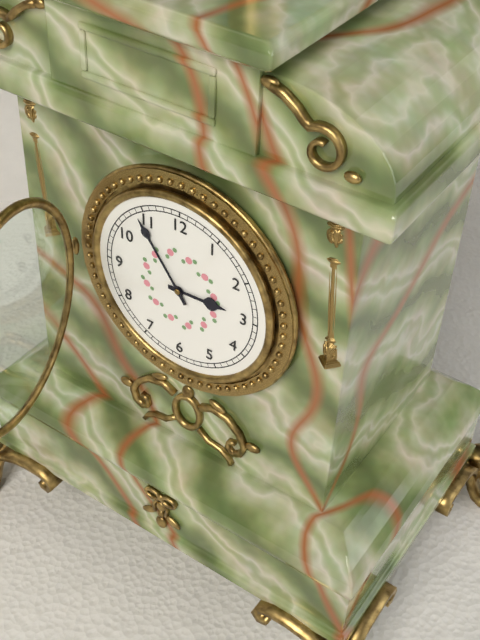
**2:54**
